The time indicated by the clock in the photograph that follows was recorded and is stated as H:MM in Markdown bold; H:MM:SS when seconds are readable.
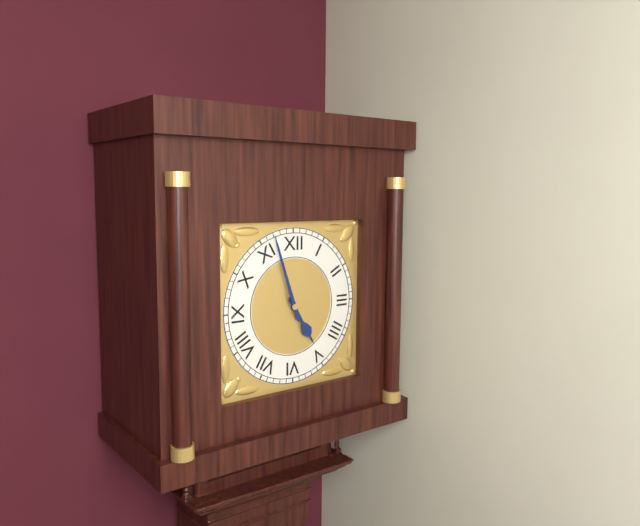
**4:57**
